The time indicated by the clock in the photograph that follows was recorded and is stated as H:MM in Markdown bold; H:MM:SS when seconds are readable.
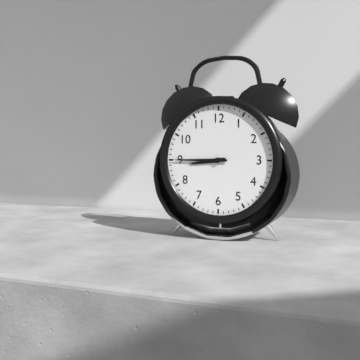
**8:45**
